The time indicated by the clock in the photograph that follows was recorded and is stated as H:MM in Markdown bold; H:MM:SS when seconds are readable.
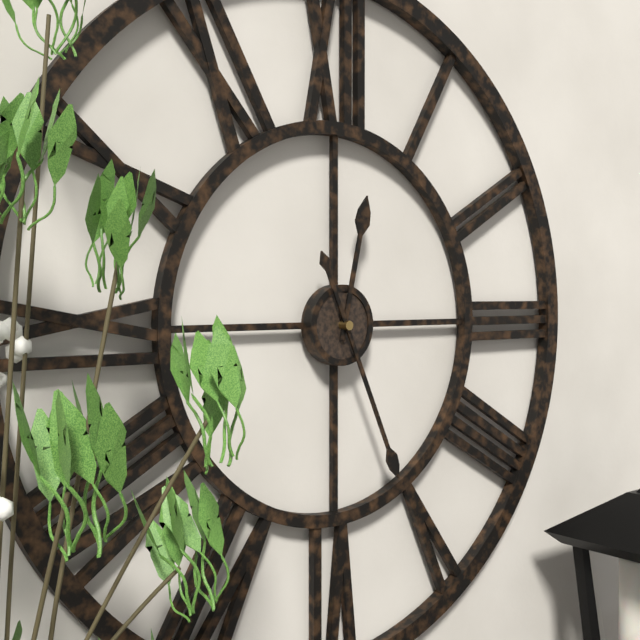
**12:26**
